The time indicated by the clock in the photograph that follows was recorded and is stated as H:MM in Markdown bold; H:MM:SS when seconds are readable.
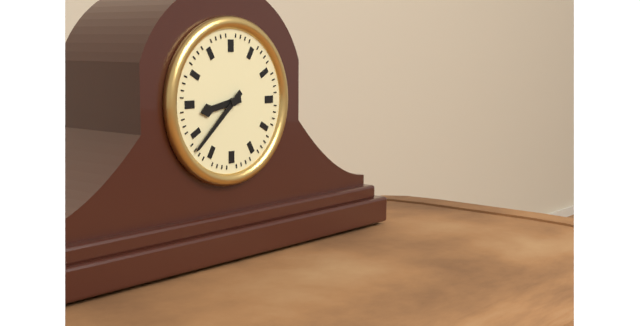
**8:38**
